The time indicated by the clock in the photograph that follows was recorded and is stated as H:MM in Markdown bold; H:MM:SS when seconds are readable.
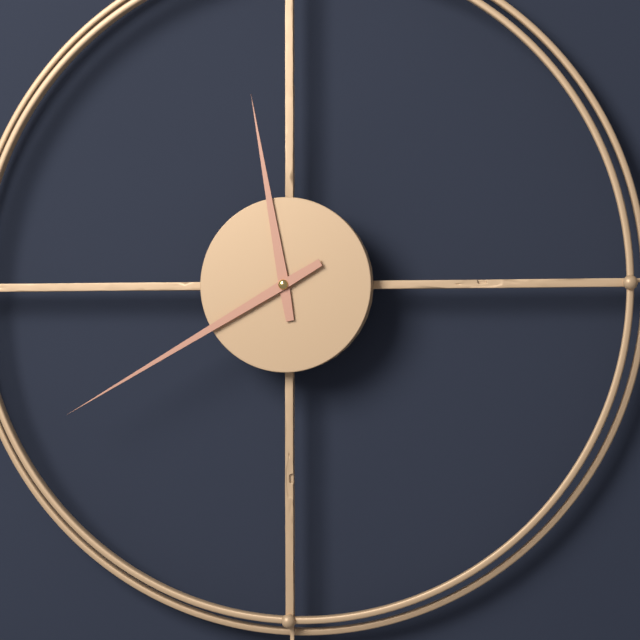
**11:40**
